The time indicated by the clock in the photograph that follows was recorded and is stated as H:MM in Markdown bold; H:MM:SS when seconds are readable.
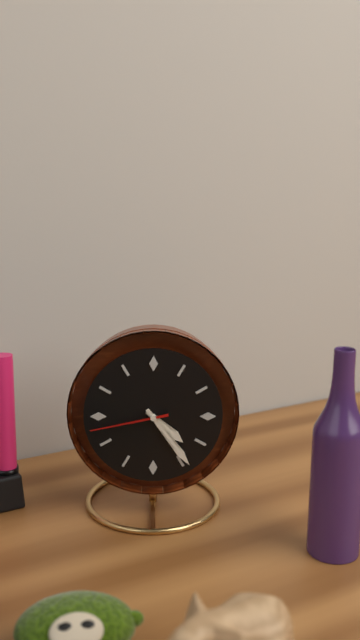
**4:24:43**
